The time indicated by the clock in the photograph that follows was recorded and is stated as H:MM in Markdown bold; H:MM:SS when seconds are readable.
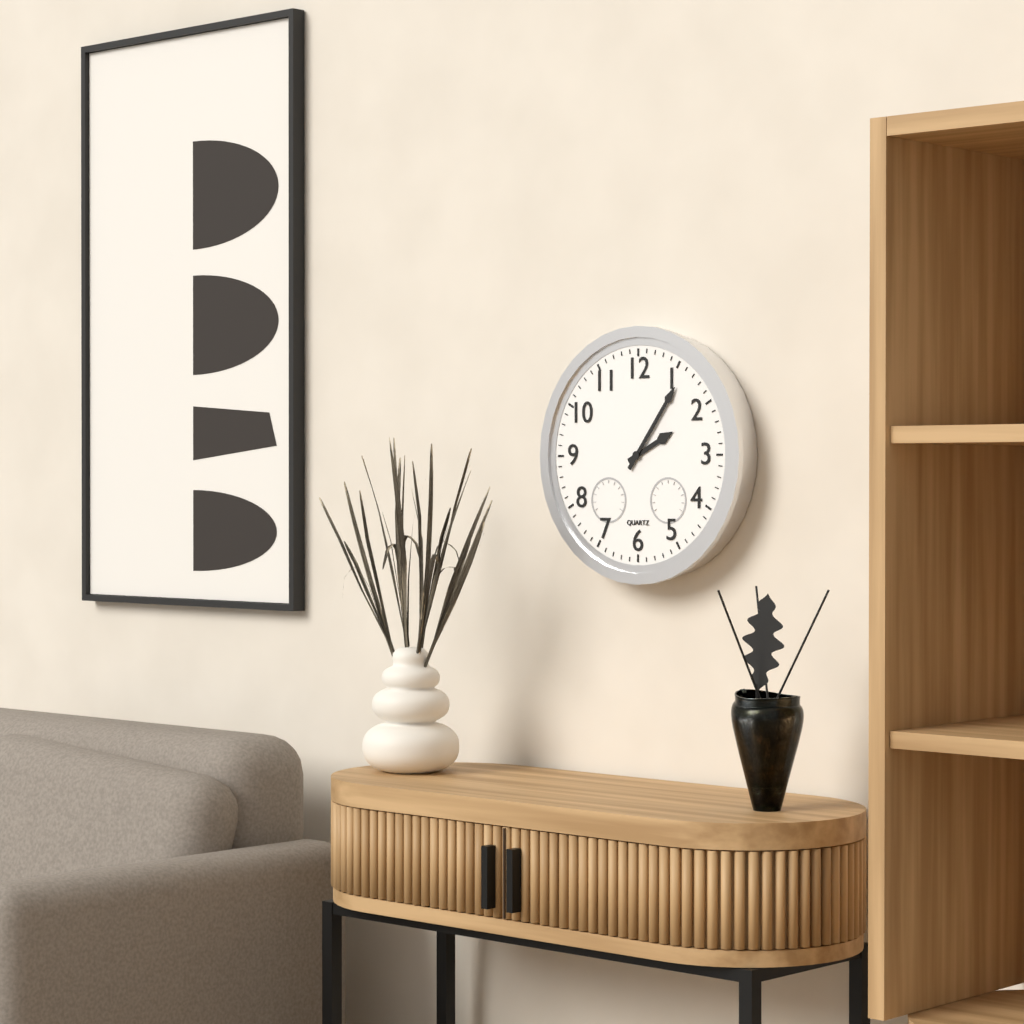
**2:06**
